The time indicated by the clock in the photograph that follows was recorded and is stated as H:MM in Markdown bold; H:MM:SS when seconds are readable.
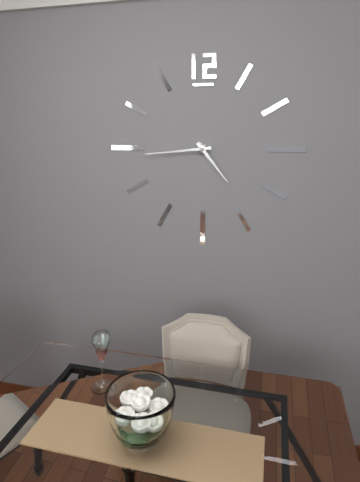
**4:44**
